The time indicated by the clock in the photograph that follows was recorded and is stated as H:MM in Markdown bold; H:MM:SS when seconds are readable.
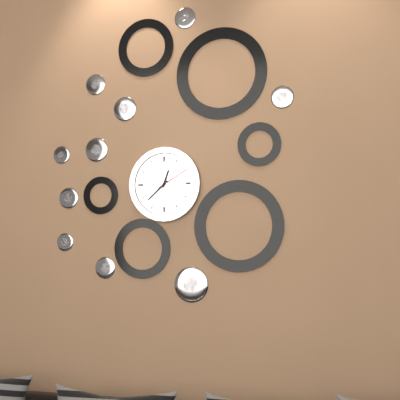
**12:38**
